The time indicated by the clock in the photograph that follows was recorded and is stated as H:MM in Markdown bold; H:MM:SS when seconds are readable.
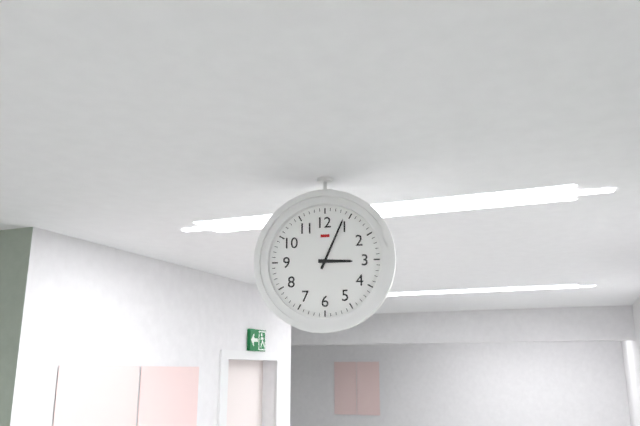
**3:04**
